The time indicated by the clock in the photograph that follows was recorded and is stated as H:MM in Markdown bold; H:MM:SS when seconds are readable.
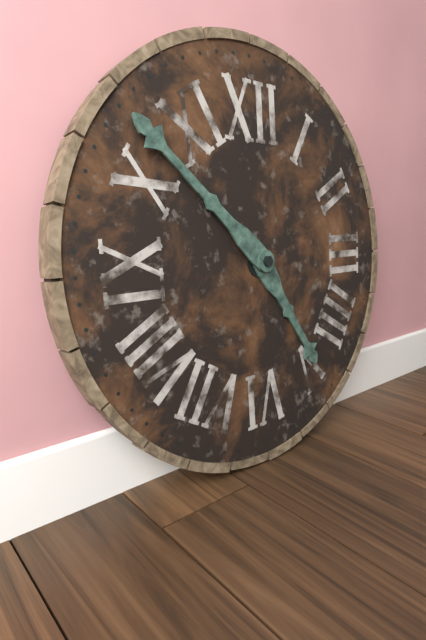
**4:52**
